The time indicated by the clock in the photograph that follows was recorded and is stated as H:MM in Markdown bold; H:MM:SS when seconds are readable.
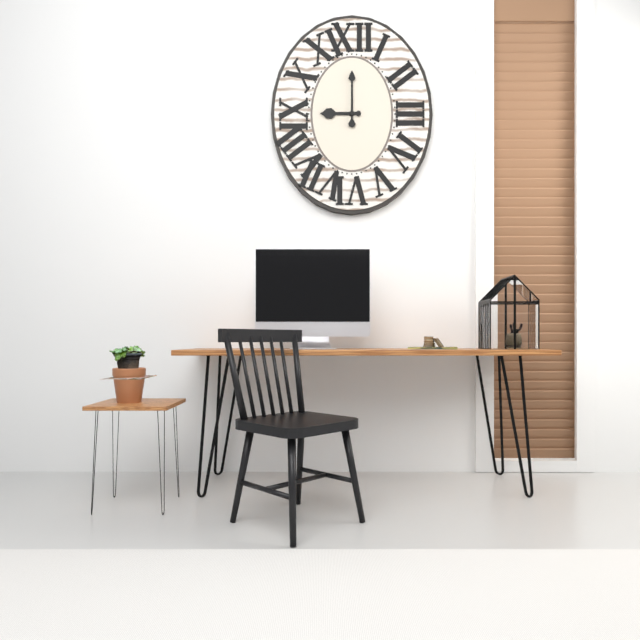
**9:00**
